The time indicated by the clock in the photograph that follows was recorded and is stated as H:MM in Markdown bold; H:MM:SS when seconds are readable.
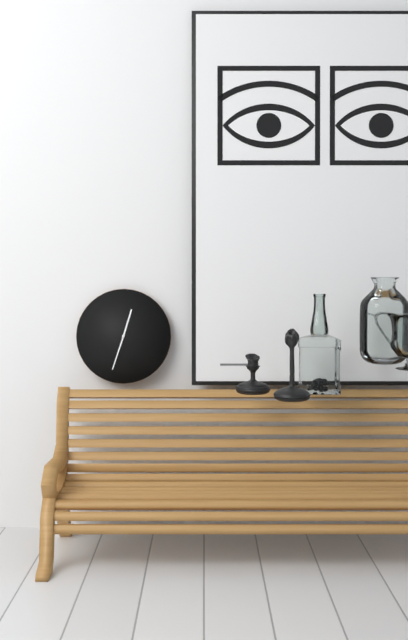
**12:33**
